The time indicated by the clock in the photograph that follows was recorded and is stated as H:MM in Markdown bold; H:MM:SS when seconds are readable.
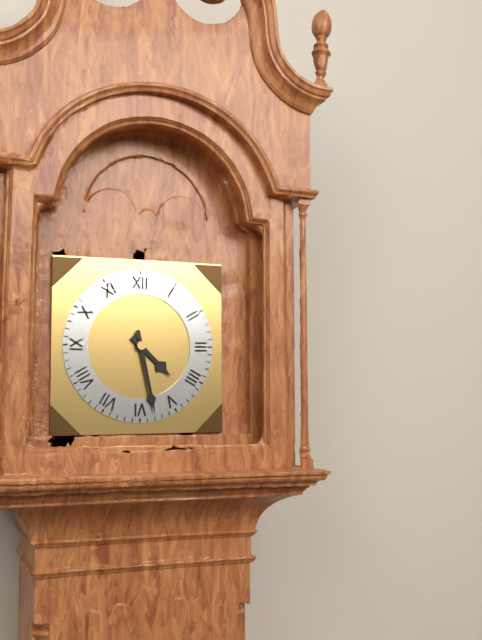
**4:28**
